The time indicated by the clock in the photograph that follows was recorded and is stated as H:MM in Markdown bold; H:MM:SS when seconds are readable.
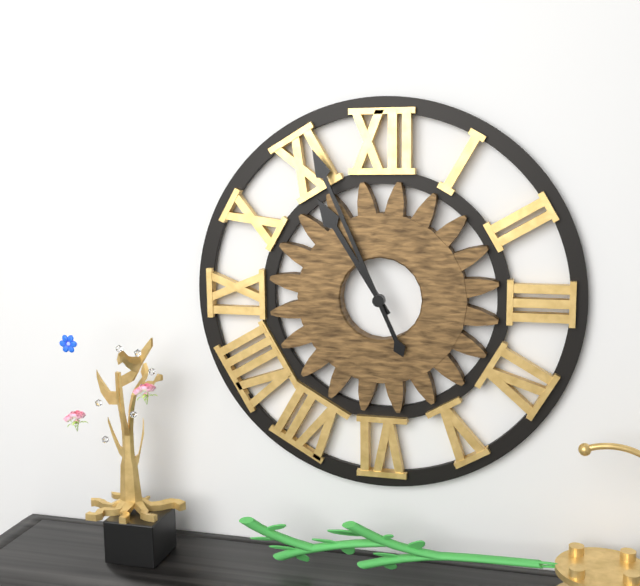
**10:56**
